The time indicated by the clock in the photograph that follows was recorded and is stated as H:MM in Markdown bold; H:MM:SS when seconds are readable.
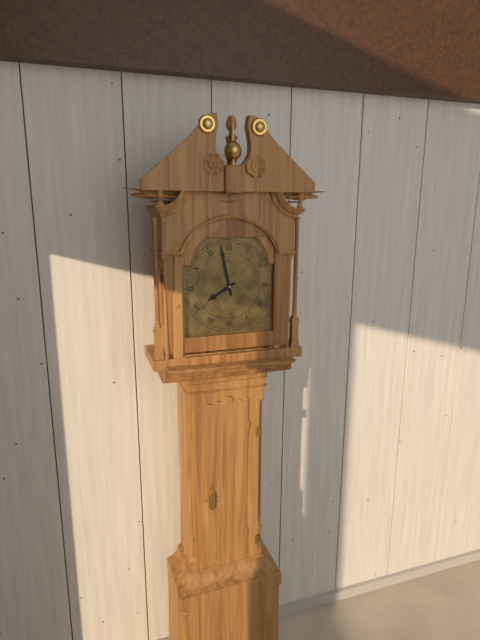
**7:58**
